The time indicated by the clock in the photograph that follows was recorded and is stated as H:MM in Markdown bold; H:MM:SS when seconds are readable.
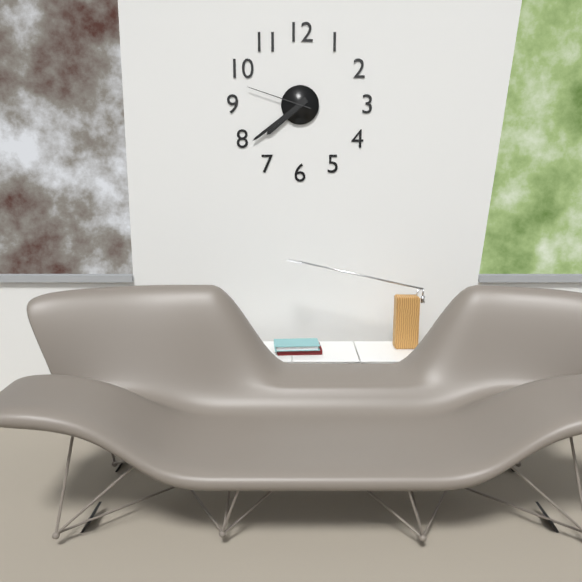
**7:39:48**
